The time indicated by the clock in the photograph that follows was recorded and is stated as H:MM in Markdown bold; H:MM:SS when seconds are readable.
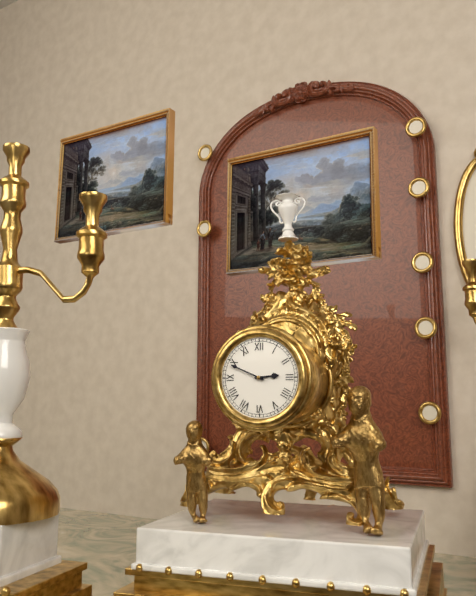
**2:49**
